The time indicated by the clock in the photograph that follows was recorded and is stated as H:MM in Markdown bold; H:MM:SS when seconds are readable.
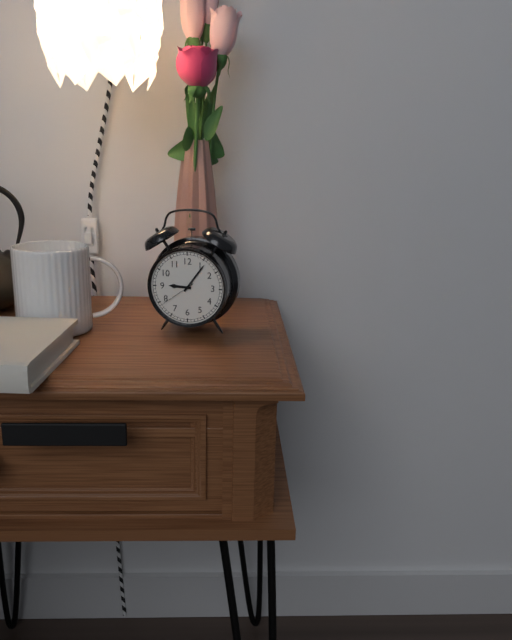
**9:06**
